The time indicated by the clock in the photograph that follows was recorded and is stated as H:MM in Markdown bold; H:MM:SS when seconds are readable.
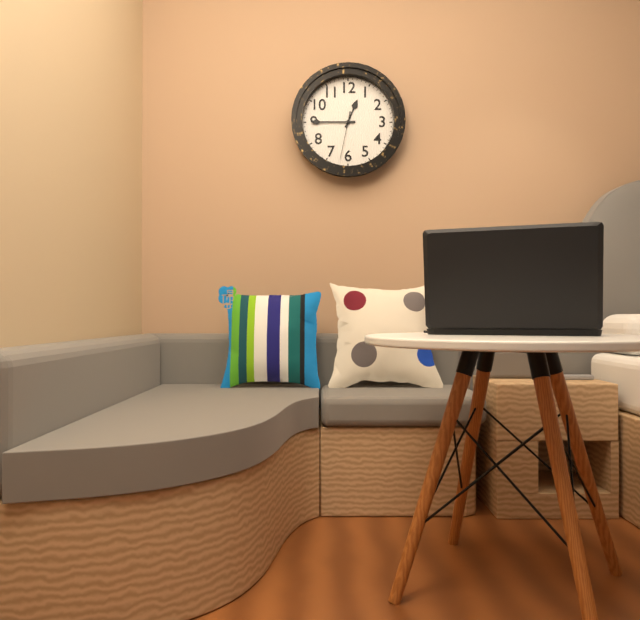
**12:45**
